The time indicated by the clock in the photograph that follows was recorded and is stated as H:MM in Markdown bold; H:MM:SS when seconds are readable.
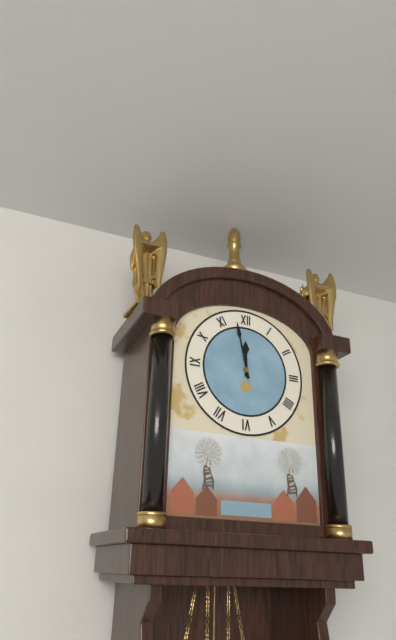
**11:58**
